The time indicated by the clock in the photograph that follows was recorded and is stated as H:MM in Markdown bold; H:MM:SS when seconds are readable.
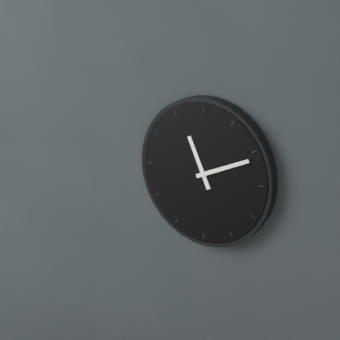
**11:11**
